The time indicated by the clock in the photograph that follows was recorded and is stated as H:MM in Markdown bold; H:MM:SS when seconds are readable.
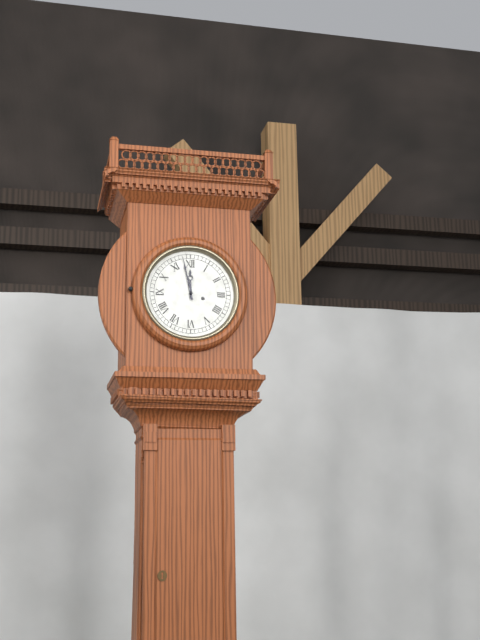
**11:58**
